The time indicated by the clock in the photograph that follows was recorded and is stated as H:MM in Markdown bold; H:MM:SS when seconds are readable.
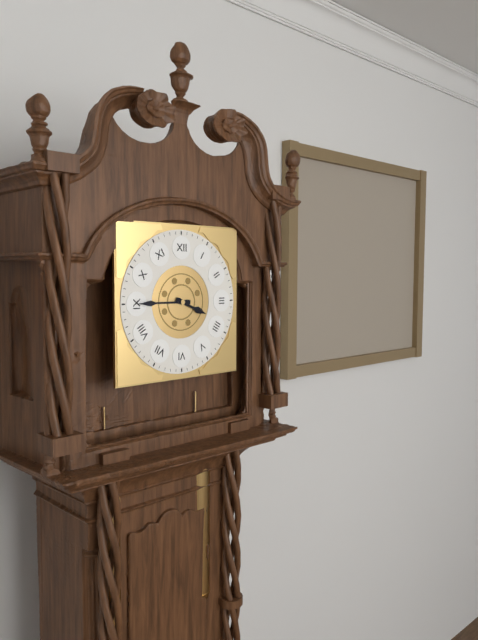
**3:45**
